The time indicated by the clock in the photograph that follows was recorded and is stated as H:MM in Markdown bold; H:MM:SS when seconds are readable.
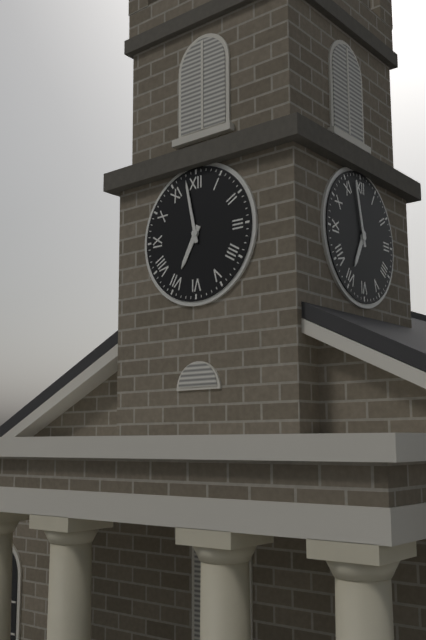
**6:58**
